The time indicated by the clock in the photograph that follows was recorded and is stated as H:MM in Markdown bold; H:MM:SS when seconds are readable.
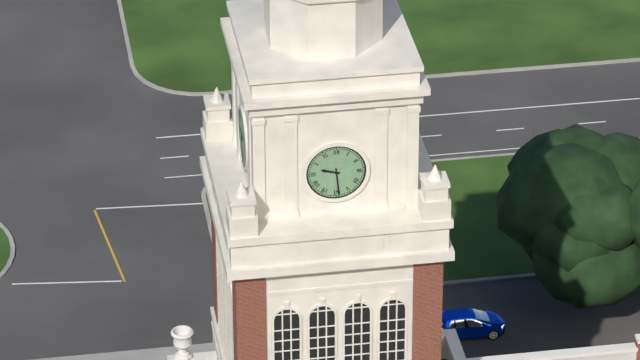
**9:29**
